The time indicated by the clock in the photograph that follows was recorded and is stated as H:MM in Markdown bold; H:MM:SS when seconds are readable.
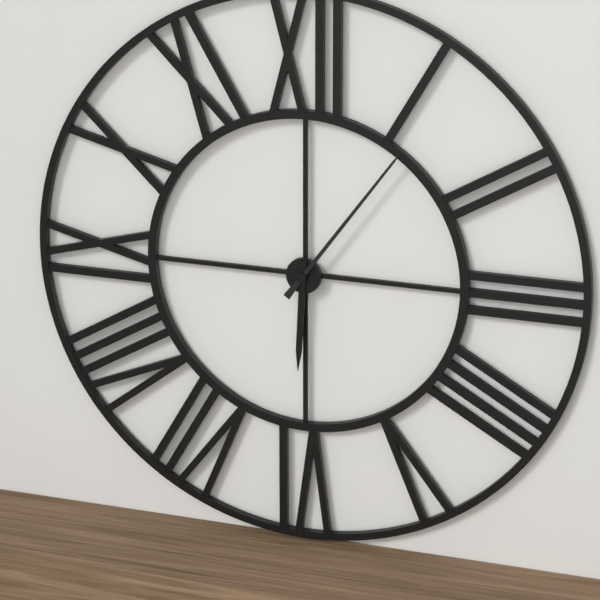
**6:06**
